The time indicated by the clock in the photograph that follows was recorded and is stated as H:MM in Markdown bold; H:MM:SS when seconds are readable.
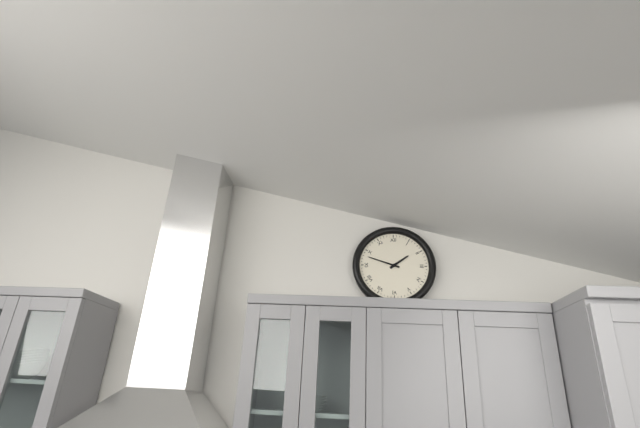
**1:48**
